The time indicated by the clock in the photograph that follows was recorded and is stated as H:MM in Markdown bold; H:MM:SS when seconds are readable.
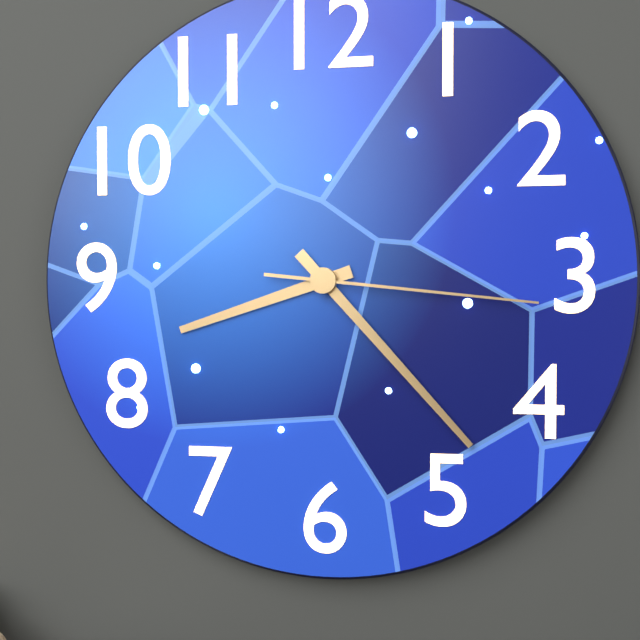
**8:23:16**
